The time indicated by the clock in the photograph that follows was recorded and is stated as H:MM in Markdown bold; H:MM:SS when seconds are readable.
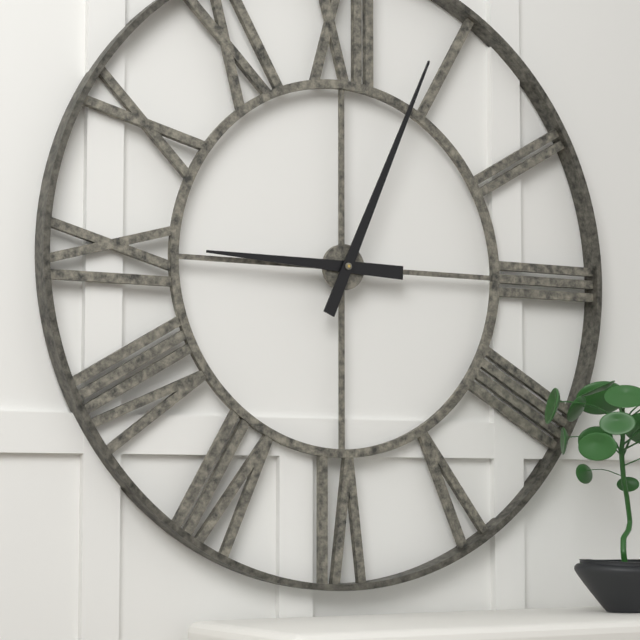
**9:04**
